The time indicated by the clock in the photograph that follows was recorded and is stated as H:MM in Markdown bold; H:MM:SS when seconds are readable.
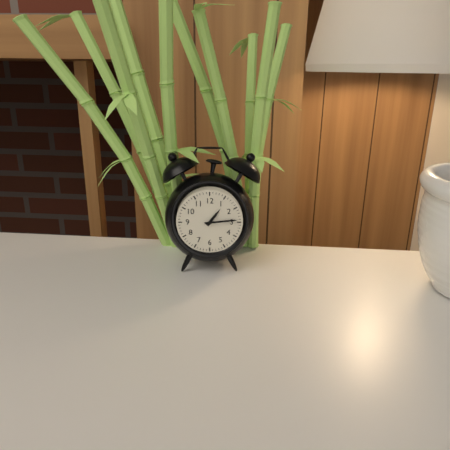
**1:14**
